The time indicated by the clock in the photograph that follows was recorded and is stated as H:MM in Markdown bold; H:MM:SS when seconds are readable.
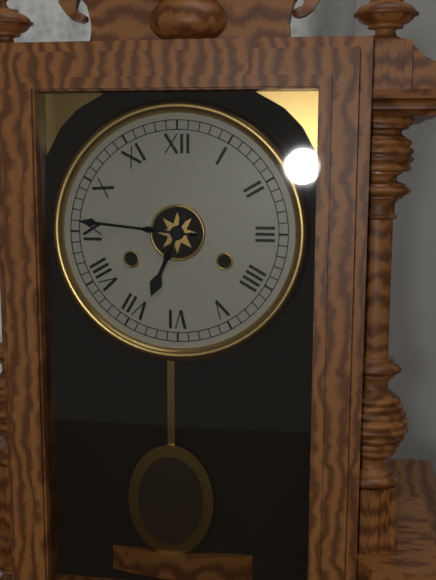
**6:46**
